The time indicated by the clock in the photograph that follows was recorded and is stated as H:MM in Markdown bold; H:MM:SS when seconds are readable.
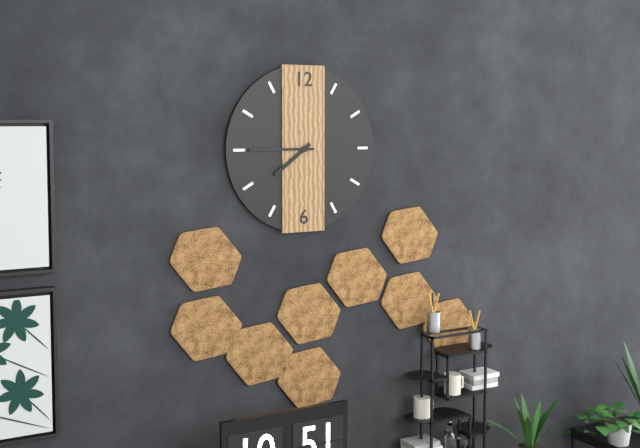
**7:45**
